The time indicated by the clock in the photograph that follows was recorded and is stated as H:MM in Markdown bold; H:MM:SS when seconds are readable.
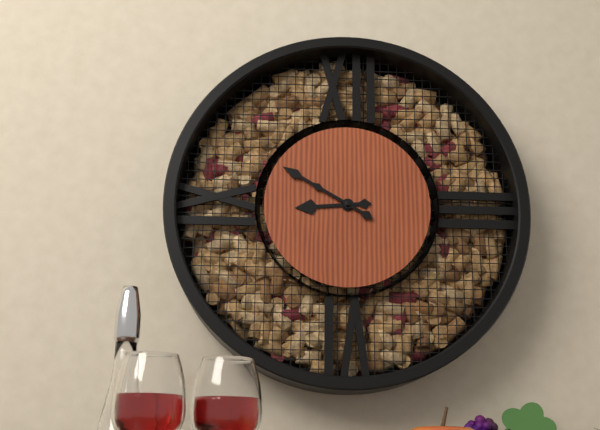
**8:50**
